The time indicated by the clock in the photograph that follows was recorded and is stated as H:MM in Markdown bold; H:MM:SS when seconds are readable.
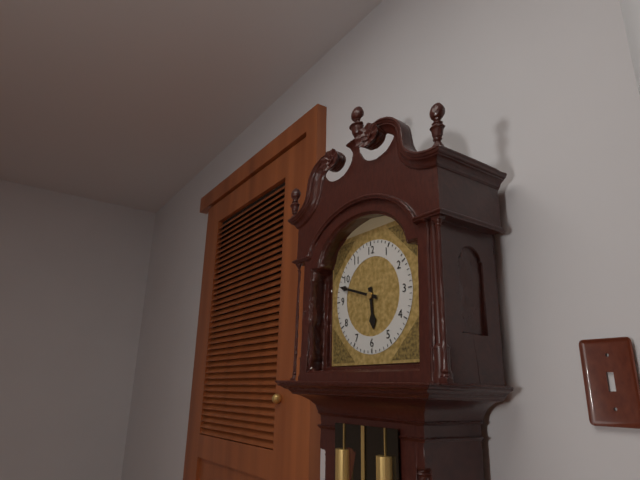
**5:48**
